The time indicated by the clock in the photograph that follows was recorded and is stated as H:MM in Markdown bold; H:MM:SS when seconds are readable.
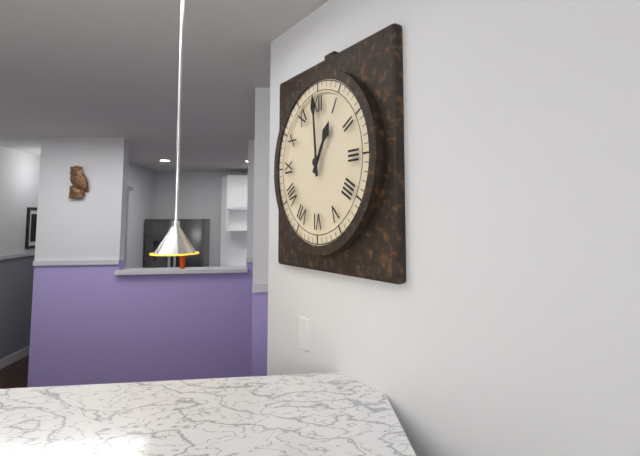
**12:59**
